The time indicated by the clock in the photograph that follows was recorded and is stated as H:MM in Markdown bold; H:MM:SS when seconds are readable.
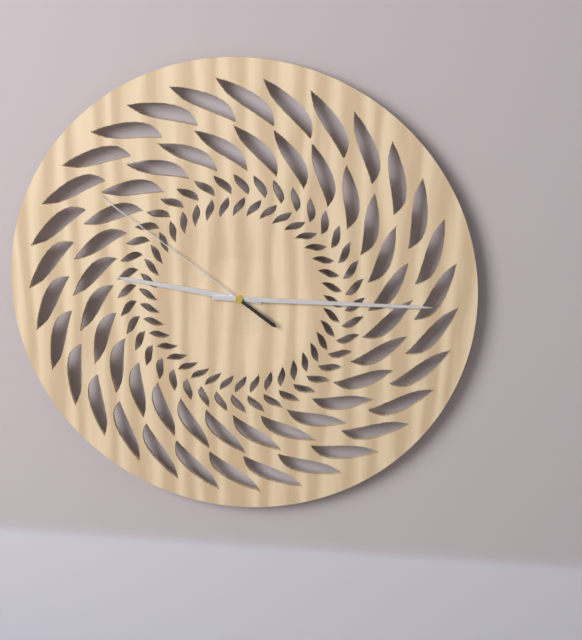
**9:15:51**
